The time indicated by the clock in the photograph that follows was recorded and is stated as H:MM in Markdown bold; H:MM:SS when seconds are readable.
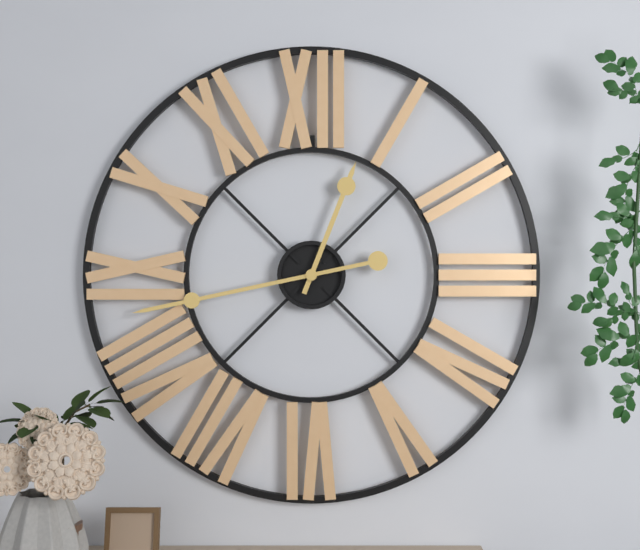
**12:43**
